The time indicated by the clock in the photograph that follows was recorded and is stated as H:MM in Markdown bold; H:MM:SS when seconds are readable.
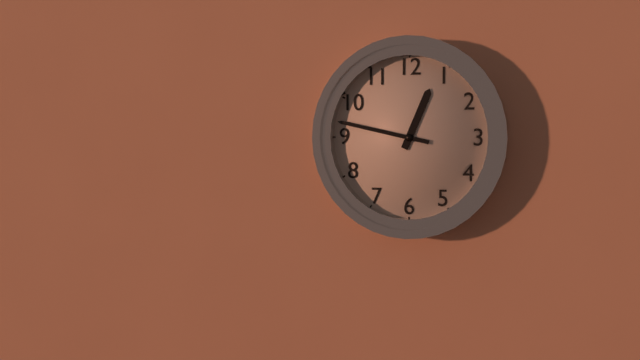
**12:47**
